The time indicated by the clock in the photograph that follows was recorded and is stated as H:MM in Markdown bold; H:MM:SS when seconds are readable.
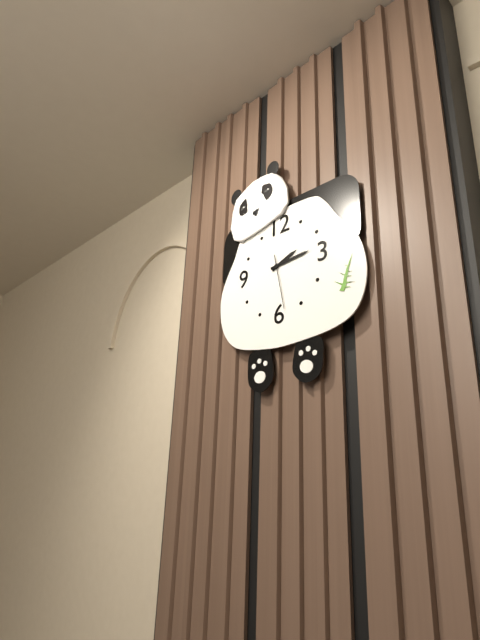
**2:14:28**
